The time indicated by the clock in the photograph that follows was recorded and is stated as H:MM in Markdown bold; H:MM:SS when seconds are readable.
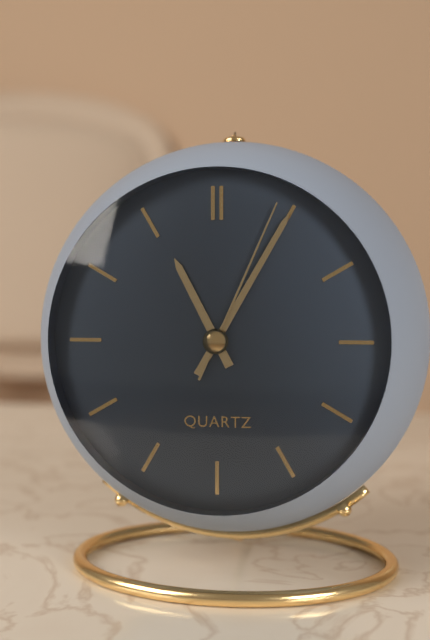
**11:05:04**
